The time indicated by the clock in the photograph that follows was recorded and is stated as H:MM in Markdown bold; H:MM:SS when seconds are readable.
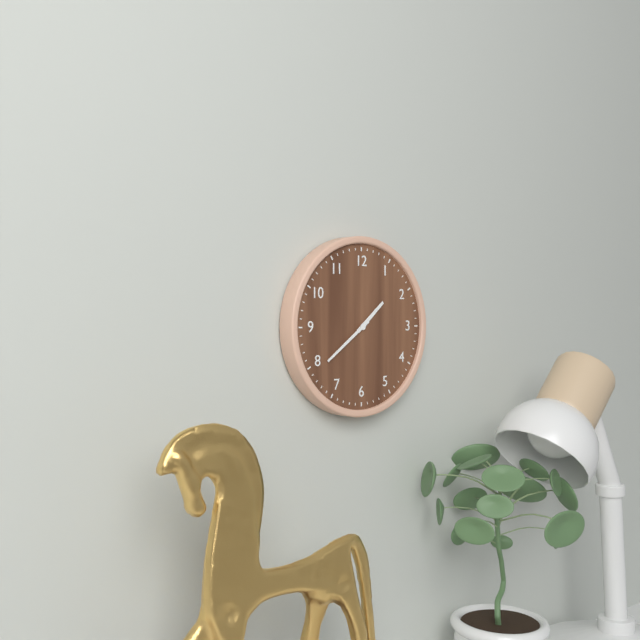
**1:39**
